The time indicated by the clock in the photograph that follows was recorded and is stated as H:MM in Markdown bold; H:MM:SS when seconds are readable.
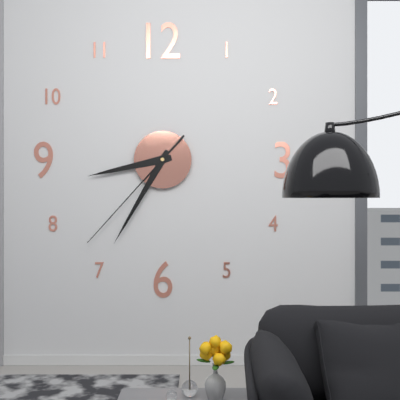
**8:35:37**
